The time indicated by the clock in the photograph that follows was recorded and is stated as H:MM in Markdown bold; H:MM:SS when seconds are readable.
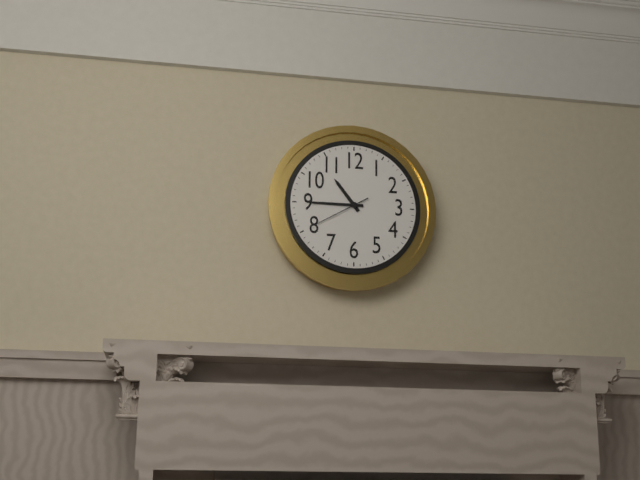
**10:45:40**
